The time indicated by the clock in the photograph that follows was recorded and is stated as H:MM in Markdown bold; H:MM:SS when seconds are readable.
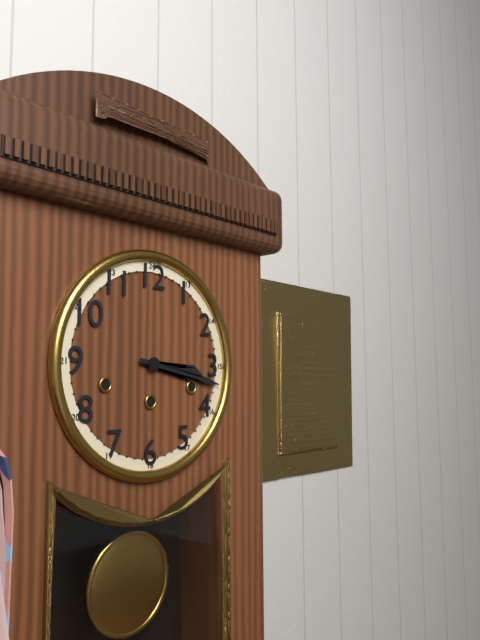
**3:17**
